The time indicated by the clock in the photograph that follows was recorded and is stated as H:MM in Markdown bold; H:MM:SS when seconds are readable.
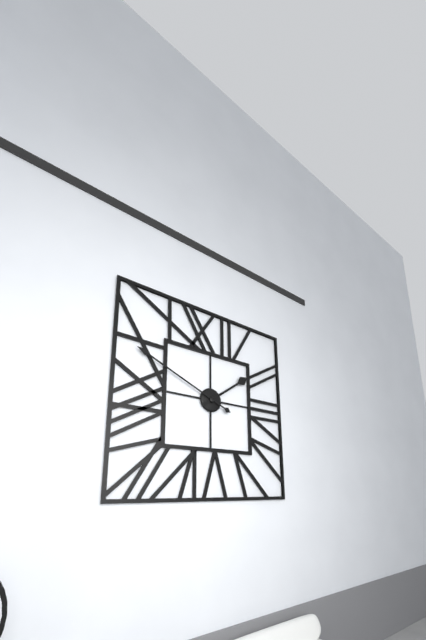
**1:49**
